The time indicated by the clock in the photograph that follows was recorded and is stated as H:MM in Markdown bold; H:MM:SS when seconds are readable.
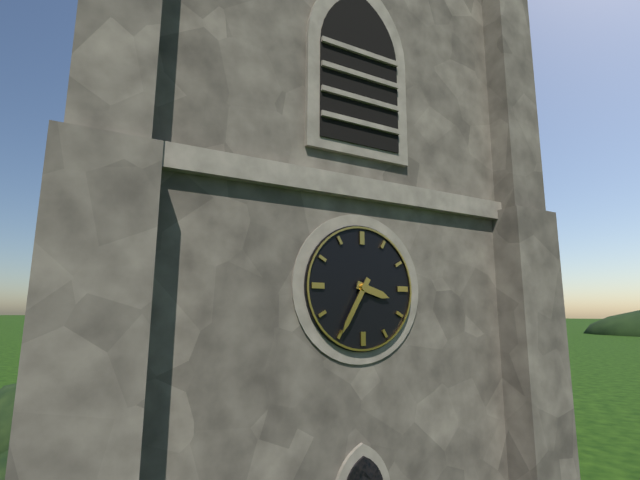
**3:35**
